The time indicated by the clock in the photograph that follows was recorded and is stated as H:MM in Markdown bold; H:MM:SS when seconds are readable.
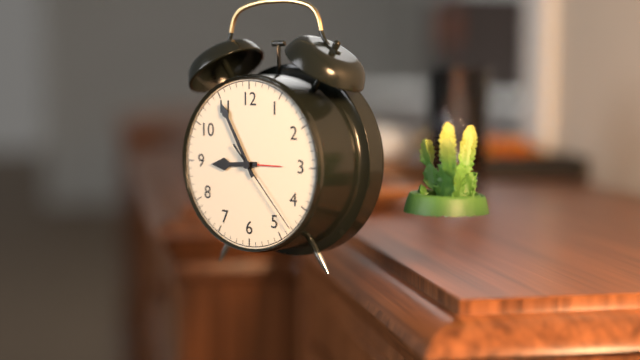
**8:55:23**
